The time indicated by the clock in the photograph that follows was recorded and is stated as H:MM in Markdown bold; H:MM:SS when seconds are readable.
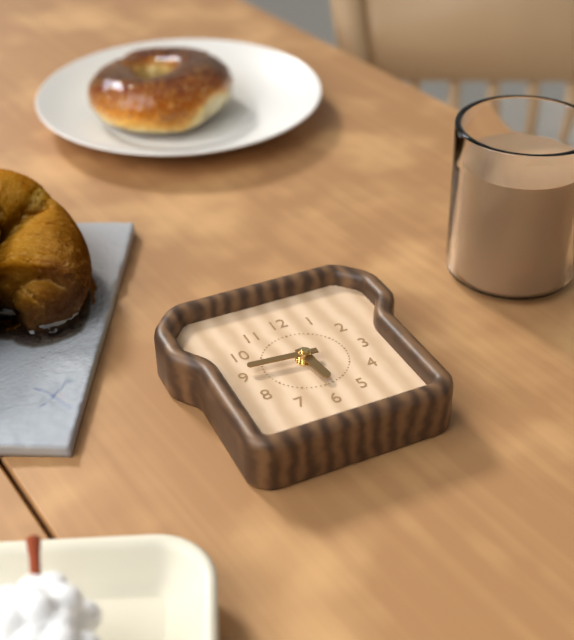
**5:46**
